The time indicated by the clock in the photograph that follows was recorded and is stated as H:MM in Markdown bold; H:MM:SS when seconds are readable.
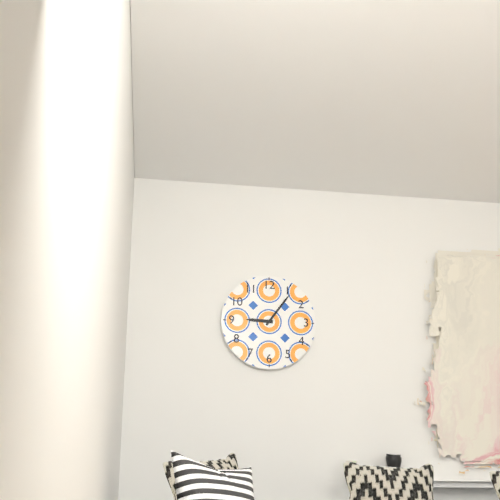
**9:06**
